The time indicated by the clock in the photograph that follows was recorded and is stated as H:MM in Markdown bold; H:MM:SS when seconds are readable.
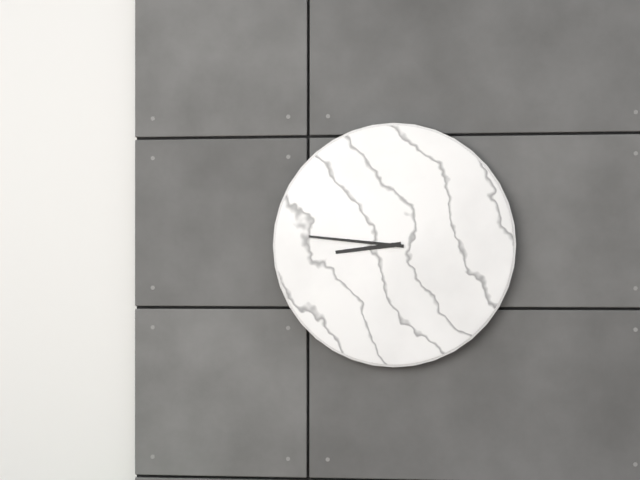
**8:46**
